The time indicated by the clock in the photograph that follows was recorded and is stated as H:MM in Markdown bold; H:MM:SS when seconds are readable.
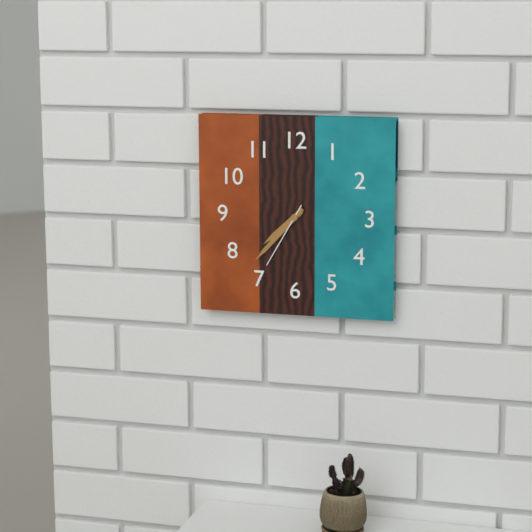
**7:37:35**
